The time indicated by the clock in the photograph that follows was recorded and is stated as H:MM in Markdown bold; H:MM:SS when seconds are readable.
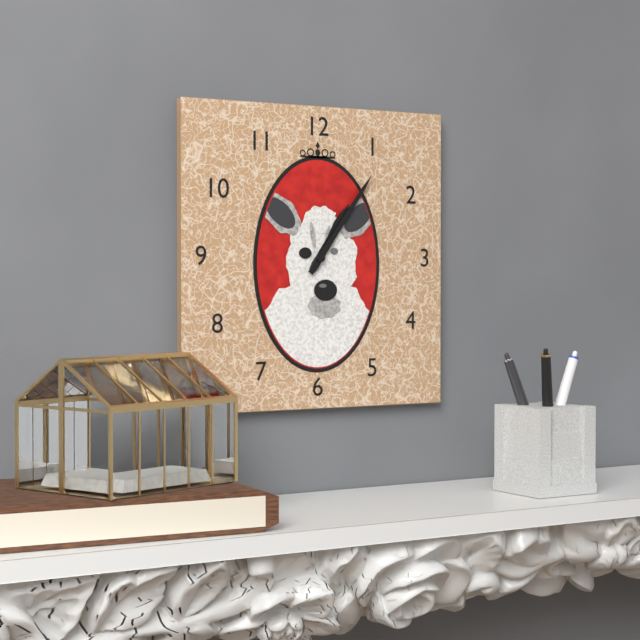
**1:06**
